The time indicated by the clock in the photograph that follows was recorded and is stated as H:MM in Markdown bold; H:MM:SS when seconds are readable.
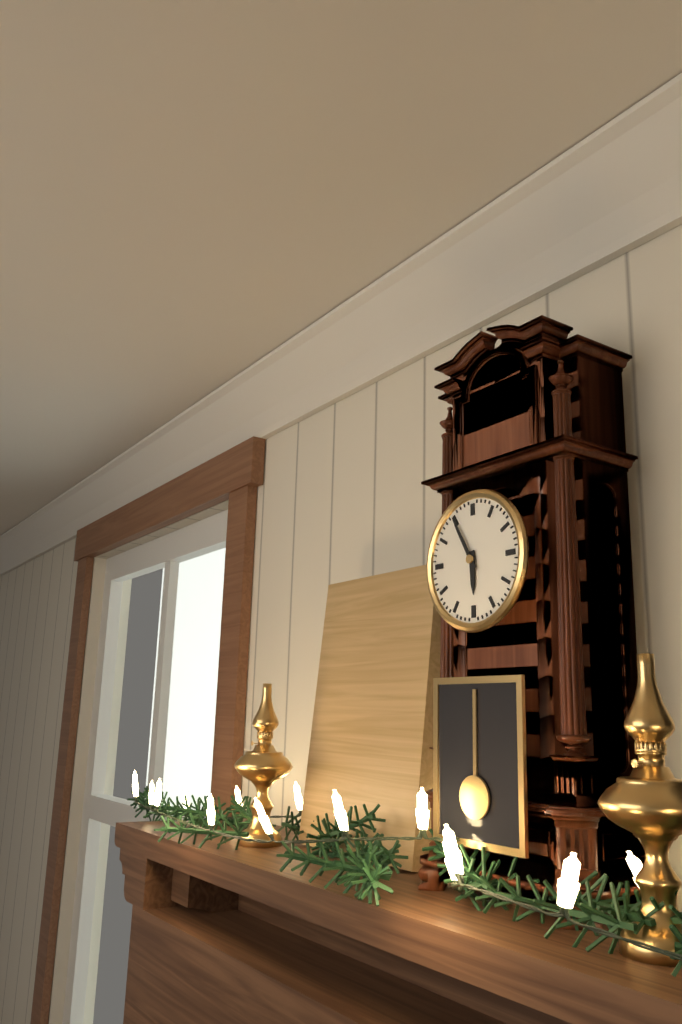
**5:55**
